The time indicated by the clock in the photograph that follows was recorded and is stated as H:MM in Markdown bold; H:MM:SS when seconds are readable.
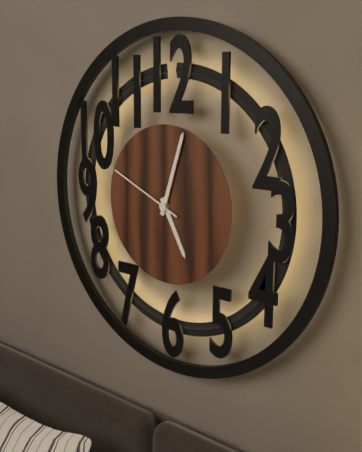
**5:03:49**
